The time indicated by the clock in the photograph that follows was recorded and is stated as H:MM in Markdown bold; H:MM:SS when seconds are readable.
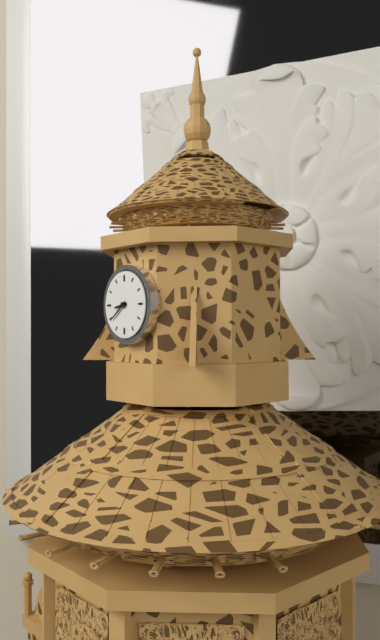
**8:39**
